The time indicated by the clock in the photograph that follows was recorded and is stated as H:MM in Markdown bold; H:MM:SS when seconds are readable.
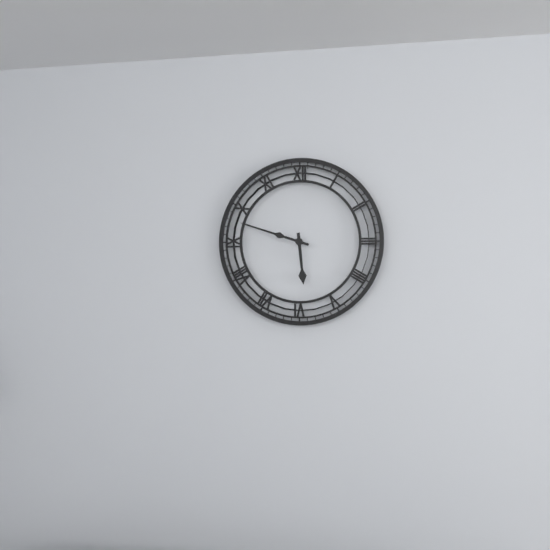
**5:48**
